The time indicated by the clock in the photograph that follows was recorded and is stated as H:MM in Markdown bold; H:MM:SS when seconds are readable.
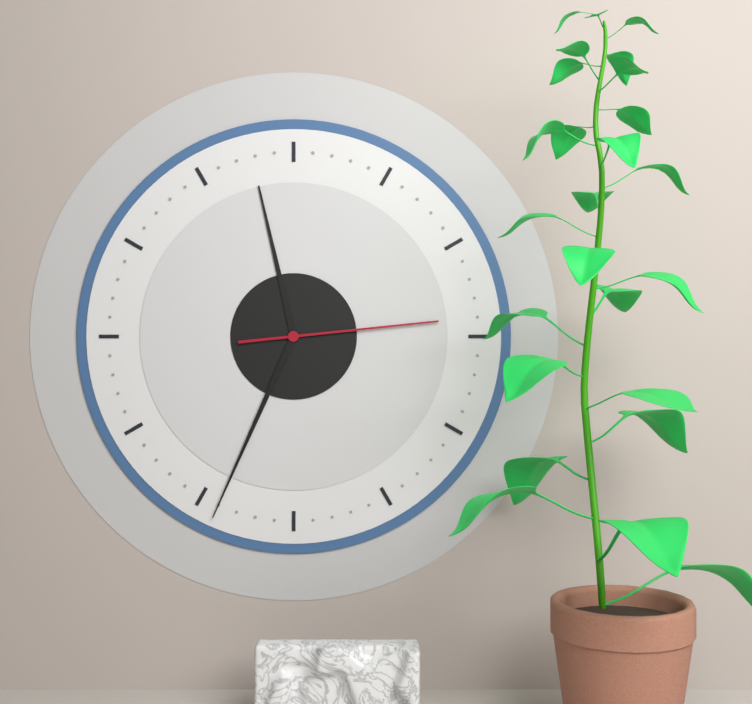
**11:34:14**
